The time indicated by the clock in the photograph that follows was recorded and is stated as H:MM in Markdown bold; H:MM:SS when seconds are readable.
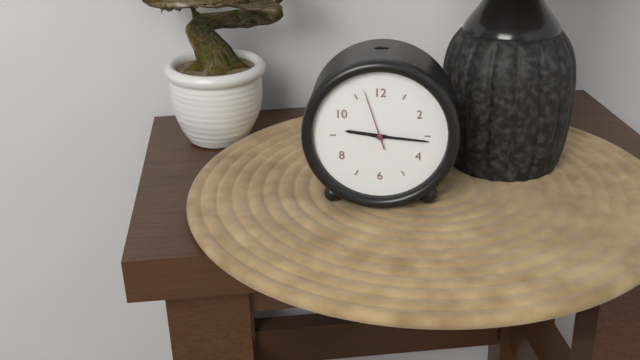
**9:16:57**
